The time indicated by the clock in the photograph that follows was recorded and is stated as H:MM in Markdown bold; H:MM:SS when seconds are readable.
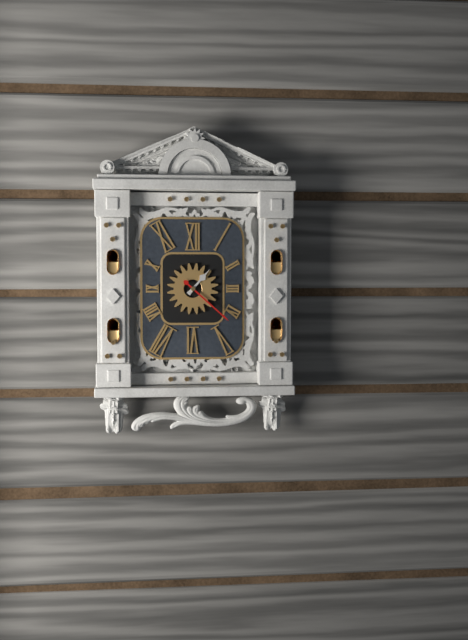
**1:22**
